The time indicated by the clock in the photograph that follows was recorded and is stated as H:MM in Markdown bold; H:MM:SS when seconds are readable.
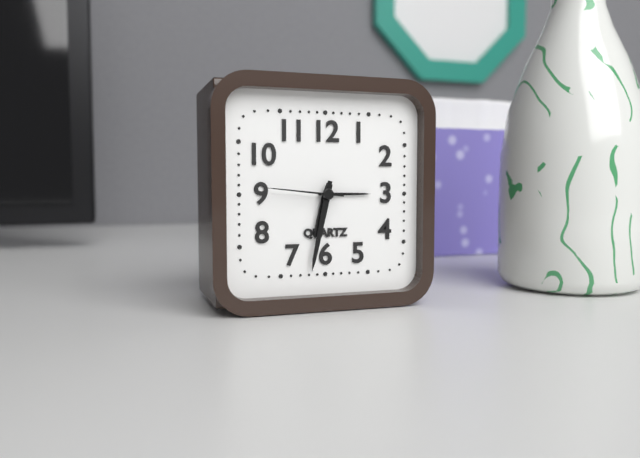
**6:32:46**
